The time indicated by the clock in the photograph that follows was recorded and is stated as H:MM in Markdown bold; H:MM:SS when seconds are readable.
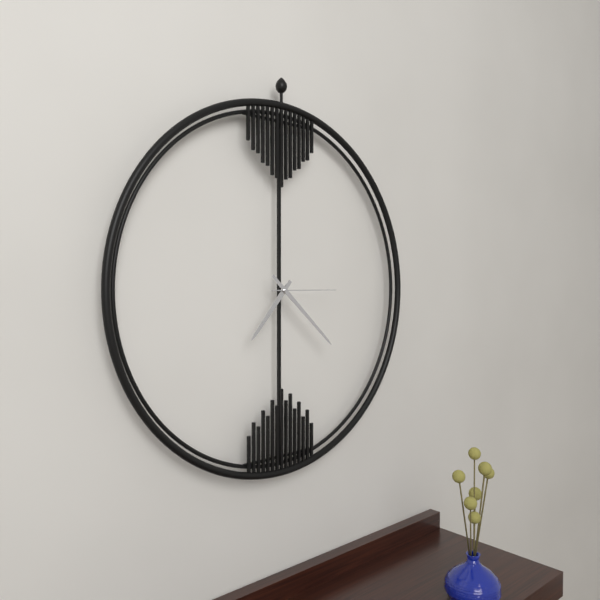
**7:22:15**
